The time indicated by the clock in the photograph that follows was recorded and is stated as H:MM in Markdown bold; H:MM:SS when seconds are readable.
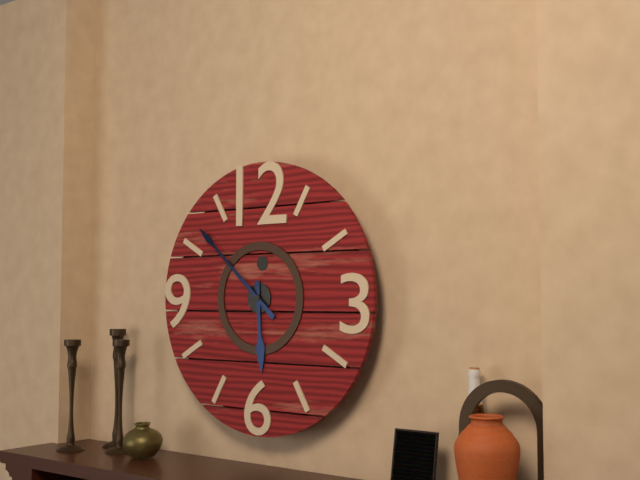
**5:52**
